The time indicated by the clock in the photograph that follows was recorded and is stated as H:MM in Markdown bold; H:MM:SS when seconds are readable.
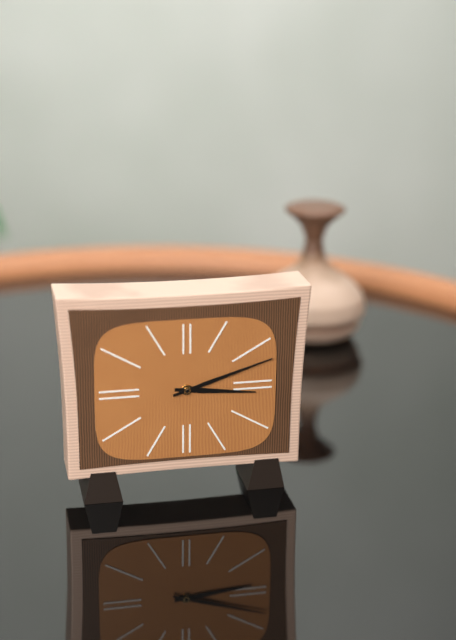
**3:12**
